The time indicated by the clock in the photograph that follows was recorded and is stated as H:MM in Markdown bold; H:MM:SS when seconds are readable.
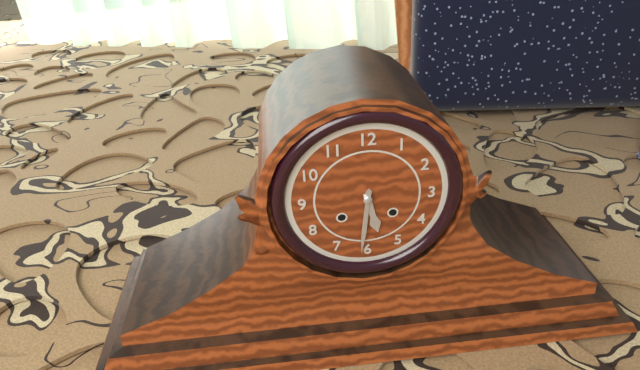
**5:31**
